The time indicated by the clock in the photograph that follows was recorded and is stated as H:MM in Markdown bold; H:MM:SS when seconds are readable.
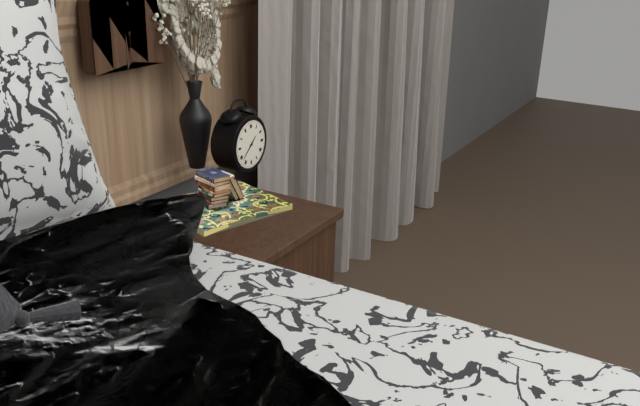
**1:38**
